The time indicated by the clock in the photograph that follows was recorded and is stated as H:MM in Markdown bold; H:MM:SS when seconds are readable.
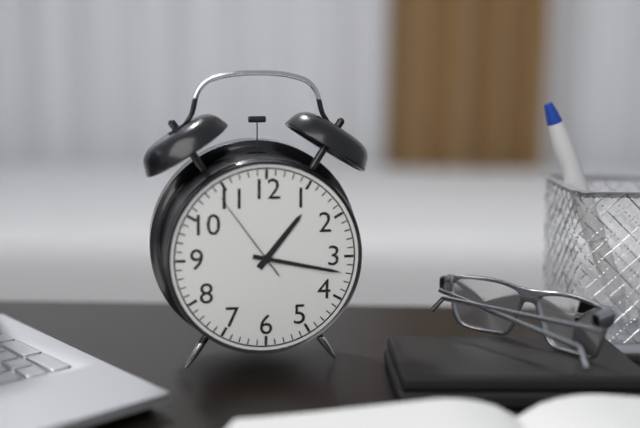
**1:17:54**
